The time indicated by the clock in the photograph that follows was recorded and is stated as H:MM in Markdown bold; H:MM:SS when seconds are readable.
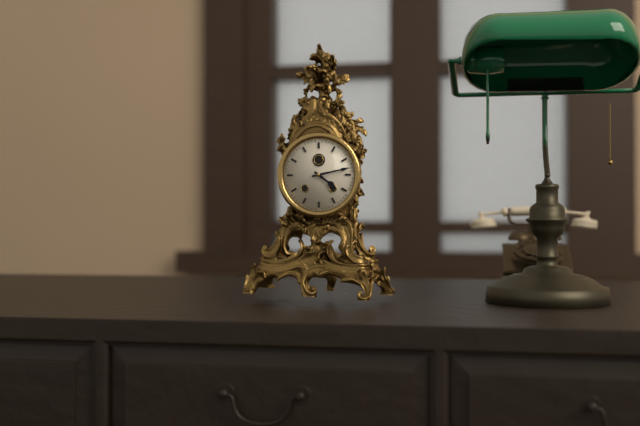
**4:13**
